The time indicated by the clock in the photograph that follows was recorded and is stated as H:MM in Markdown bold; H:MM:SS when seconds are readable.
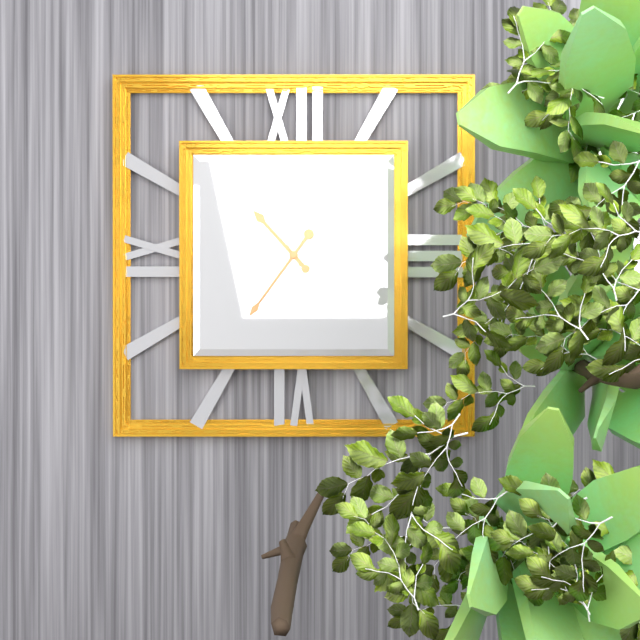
**10:36:25**
